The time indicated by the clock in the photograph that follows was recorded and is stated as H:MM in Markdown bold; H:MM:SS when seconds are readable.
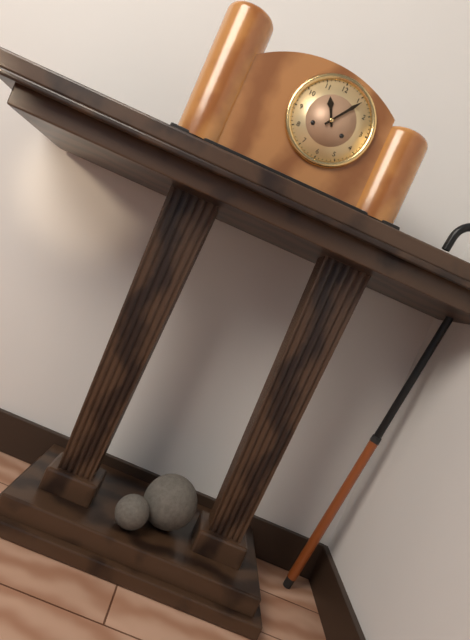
**11:06**
